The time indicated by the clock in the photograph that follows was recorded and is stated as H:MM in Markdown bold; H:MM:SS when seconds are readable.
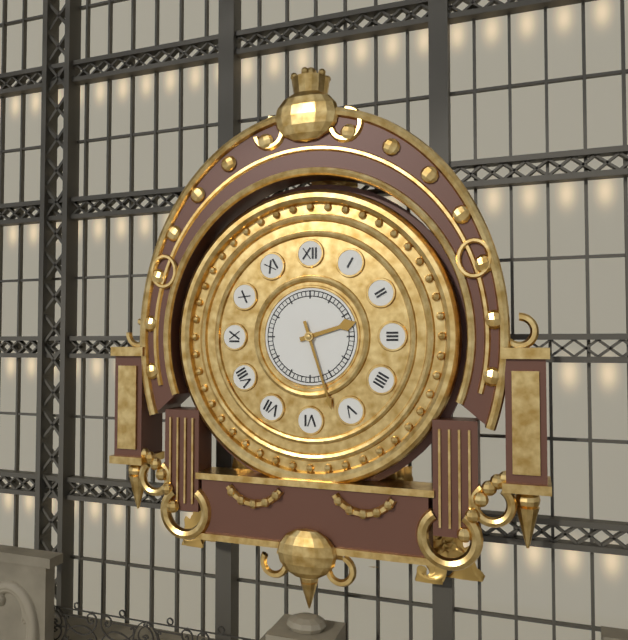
**2:27**
